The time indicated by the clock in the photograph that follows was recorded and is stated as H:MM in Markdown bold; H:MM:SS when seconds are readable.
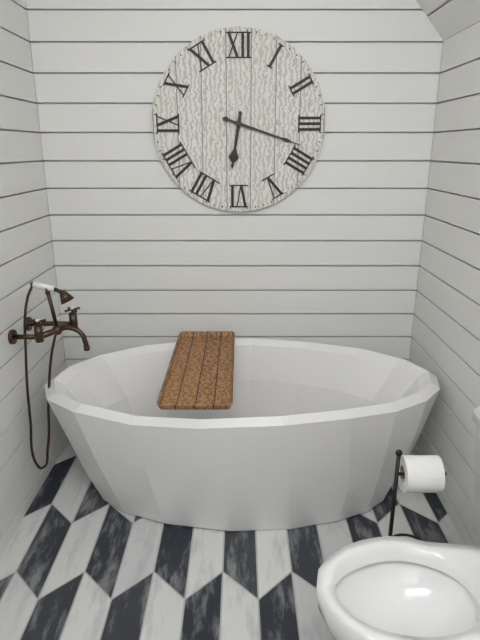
**6:18**
